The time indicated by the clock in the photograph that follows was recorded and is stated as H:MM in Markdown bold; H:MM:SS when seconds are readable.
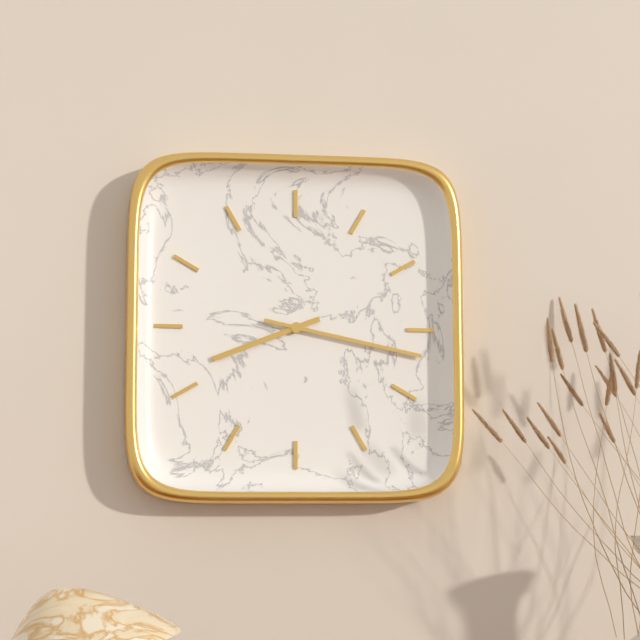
**8:17**
